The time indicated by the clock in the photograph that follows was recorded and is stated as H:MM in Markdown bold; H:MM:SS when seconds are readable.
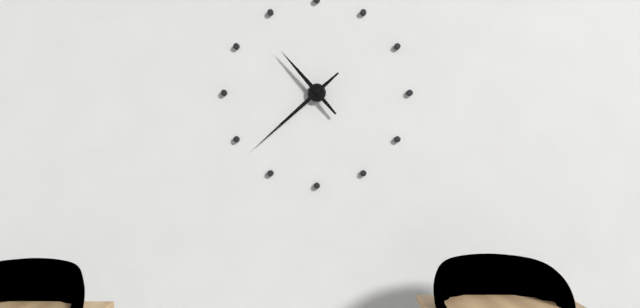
**10:38**
